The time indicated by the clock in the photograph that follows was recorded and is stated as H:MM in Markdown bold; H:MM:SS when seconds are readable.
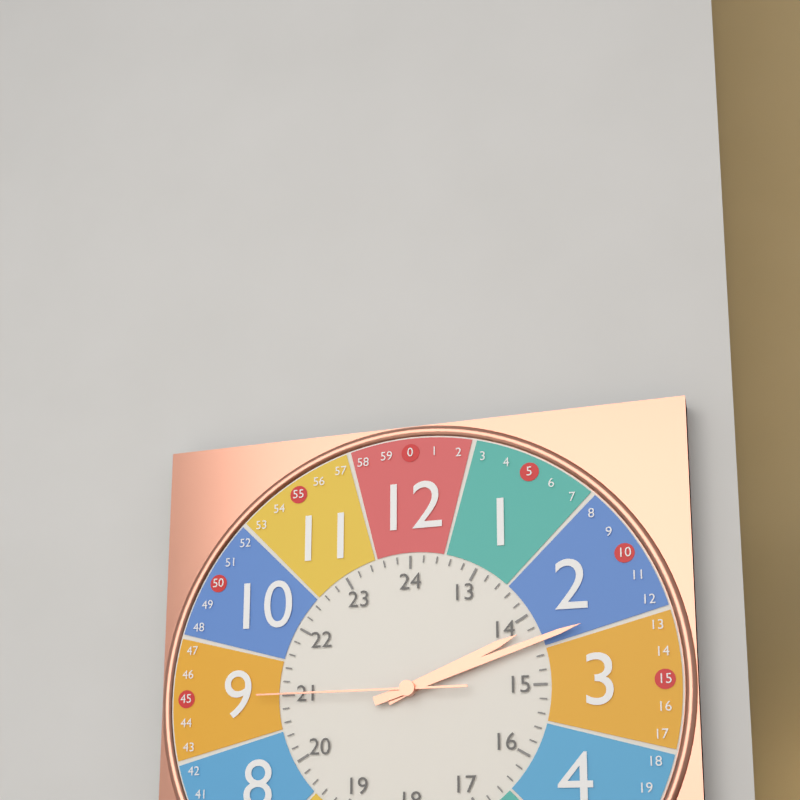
**2:12:45**
